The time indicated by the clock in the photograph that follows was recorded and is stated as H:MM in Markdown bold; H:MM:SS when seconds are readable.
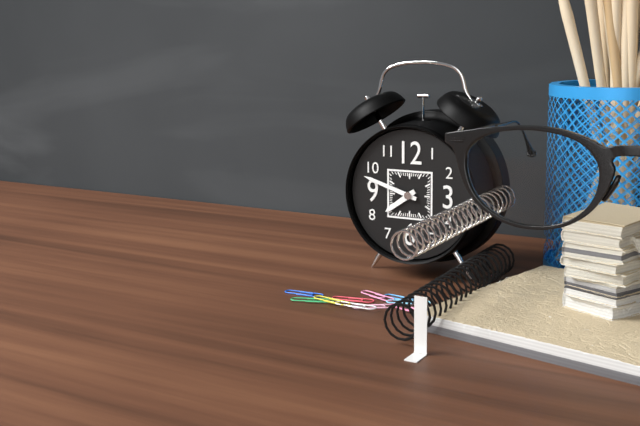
**7:48**
